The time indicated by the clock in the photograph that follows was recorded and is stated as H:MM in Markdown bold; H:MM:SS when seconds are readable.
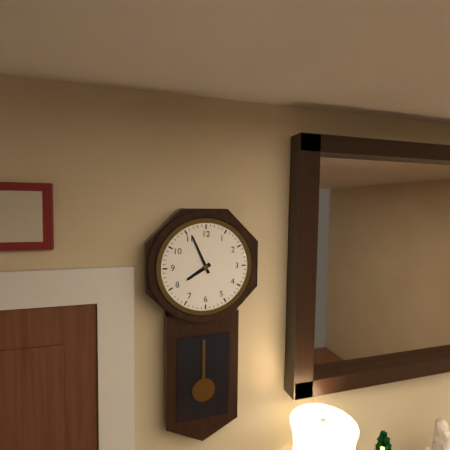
**7:56**
